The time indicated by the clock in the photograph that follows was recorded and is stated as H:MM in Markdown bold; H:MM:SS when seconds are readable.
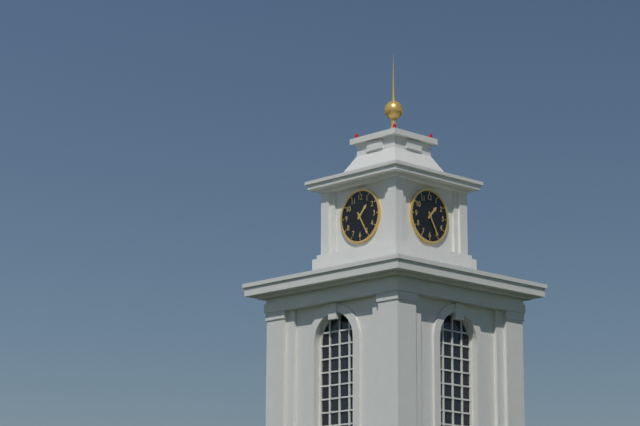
**1:25**
